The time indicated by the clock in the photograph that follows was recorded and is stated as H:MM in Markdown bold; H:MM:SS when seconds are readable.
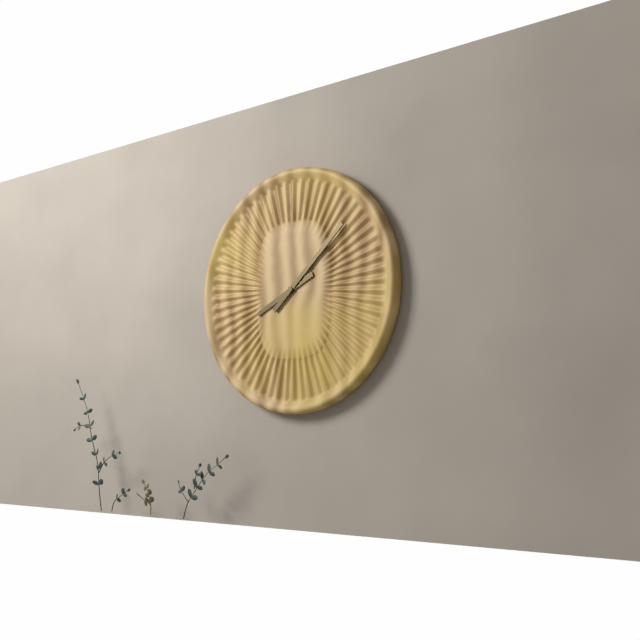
**8:08**
